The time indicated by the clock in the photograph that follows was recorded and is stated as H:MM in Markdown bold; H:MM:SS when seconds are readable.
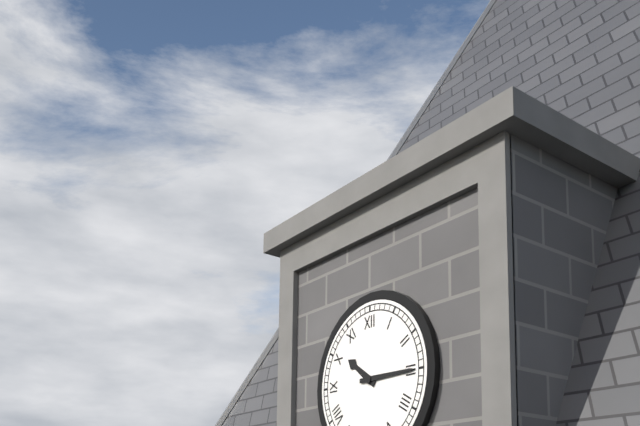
**10:15**
